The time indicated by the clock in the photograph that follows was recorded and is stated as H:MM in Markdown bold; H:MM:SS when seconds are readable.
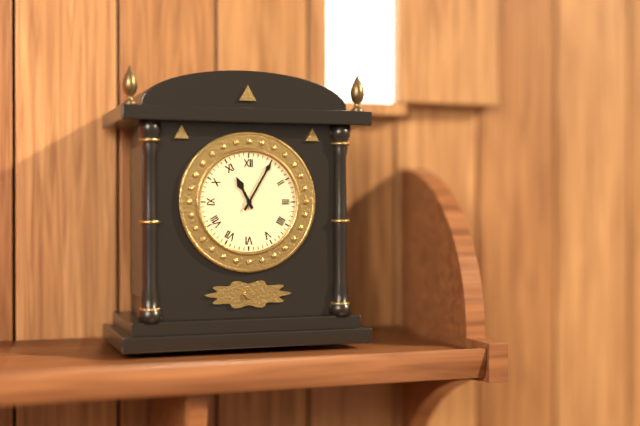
**11:05**
